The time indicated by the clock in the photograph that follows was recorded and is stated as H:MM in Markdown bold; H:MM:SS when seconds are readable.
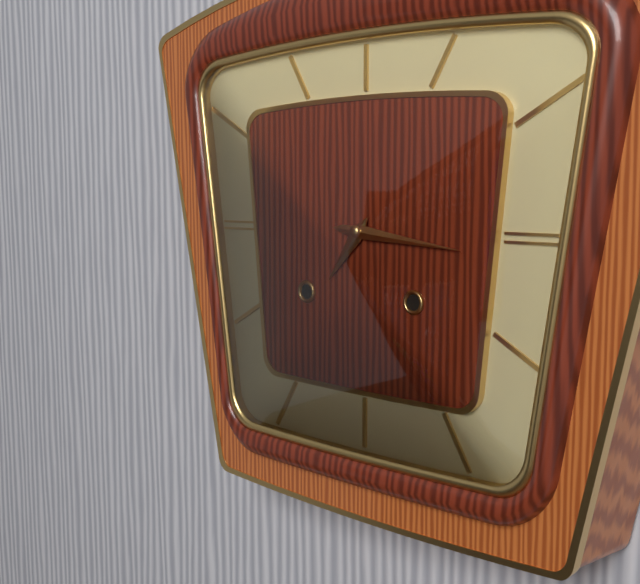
**7:16**
